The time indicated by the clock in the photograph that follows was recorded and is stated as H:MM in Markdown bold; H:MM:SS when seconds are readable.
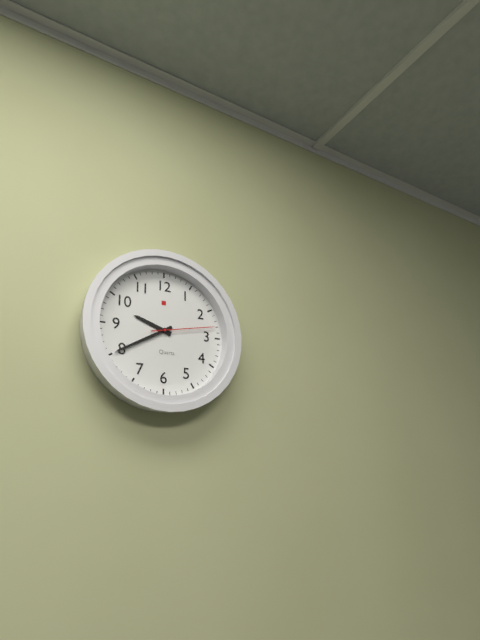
**9:40:13**
